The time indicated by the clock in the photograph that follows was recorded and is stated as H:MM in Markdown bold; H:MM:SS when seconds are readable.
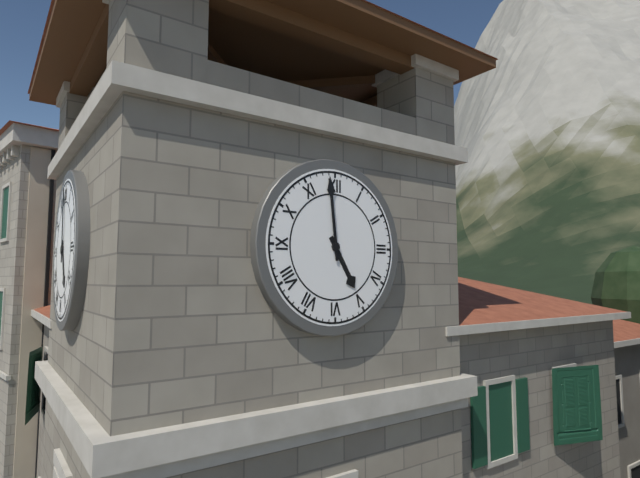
**4:59**
